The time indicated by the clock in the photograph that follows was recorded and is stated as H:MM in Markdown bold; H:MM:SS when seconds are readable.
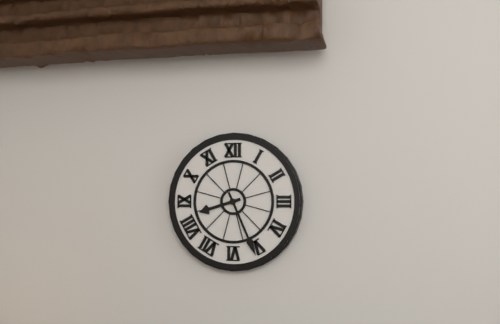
**8:26**
